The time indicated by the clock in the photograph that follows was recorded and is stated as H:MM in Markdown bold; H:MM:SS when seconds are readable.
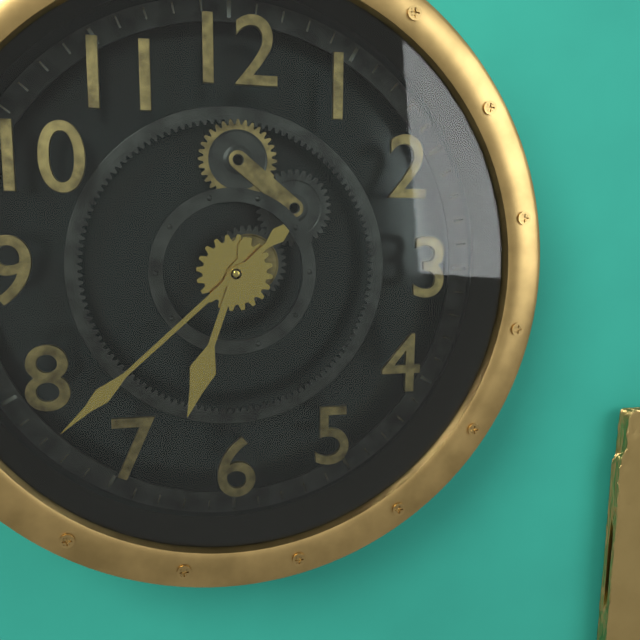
**6:38**
